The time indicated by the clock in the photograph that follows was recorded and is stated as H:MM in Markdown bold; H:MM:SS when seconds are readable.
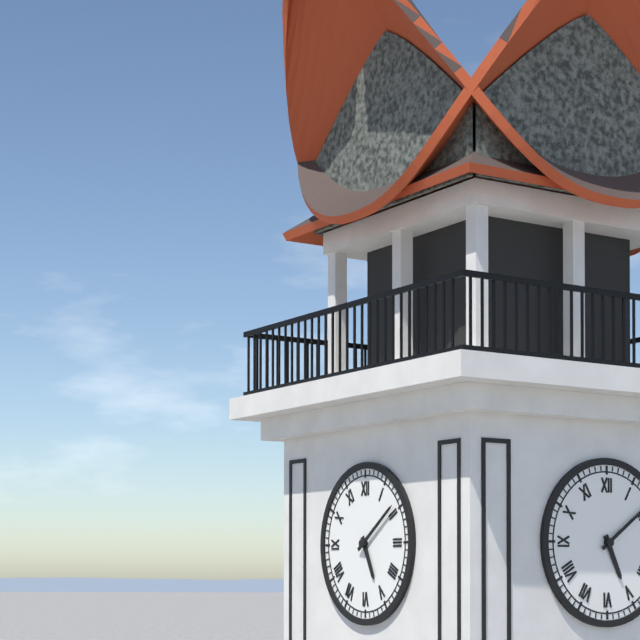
**5:09**
